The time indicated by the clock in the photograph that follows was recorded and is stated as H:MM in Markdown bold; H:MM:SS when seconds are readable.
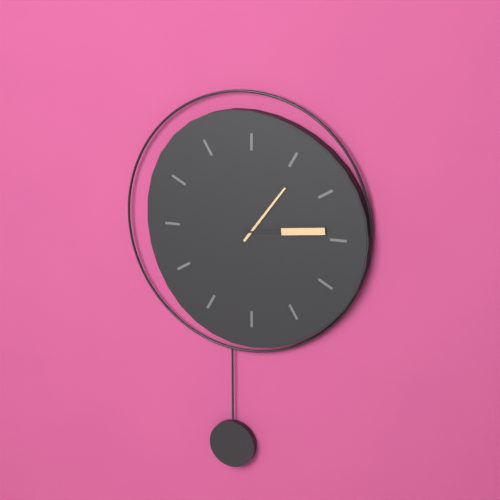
**1:14**
